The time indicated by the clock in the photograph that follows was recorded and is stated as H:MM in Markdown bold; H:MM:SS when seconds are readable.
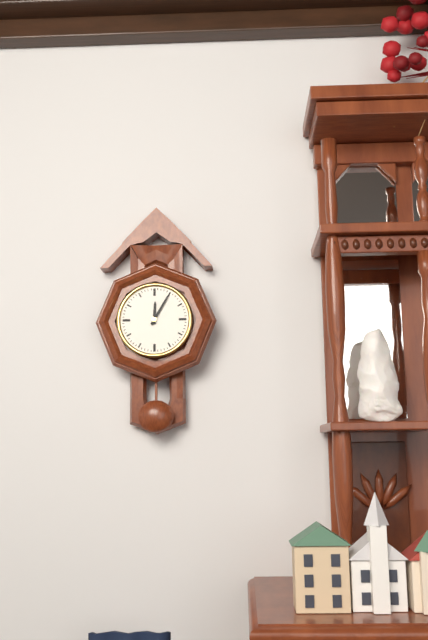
**12:05**
